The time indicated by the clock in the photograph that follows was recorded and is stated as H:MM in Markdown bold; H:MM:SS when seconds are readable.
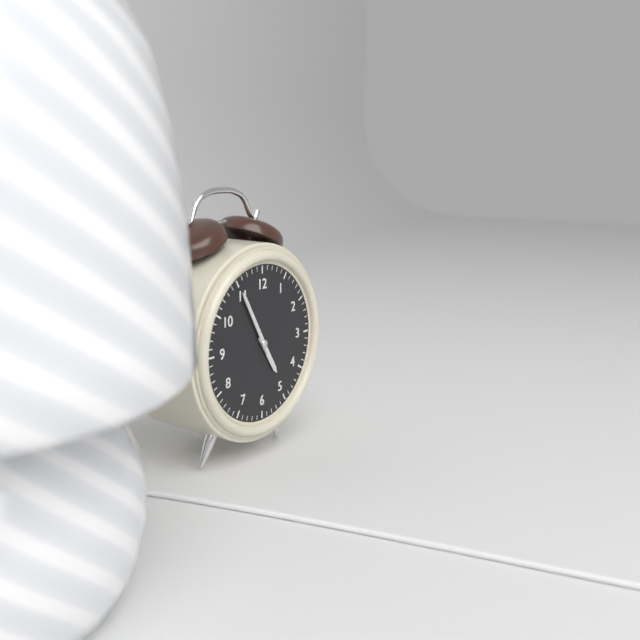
**4:55**
